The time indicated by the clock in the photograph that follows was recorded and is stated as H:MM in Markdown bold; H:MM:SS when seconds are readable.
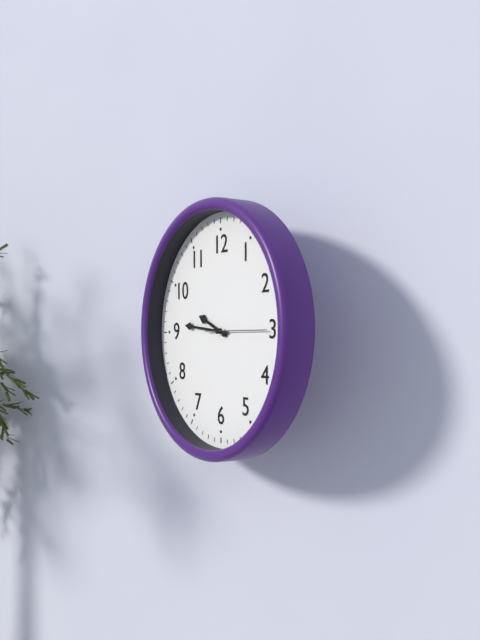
**9:46:15**
